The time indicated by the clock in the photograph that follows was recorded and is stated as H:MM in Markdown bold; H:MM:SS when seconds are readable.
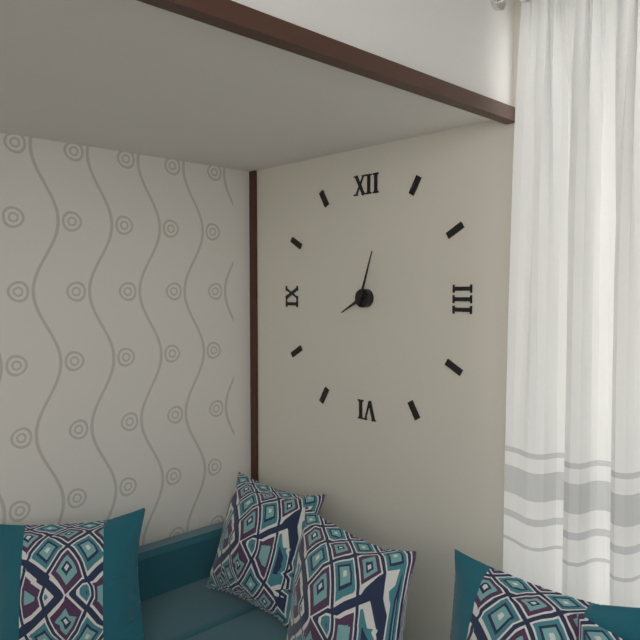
**8:03**
